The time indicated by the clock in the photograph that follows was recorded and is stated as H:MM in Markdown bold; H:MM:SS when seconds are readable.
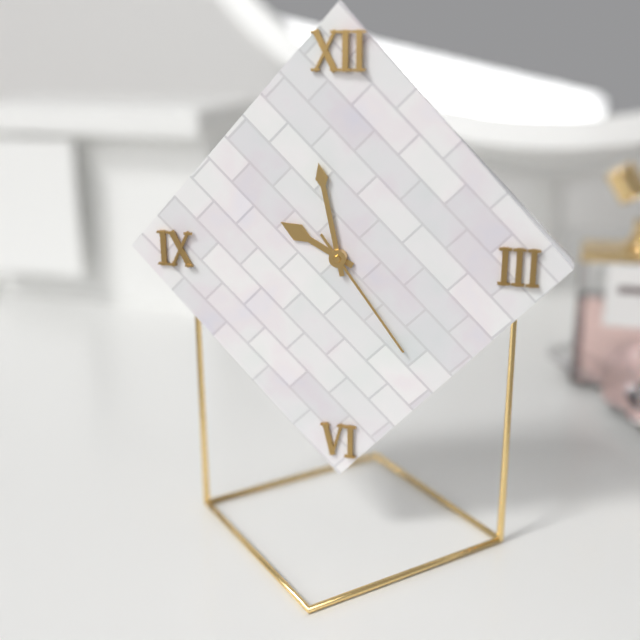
**9:58:24**
